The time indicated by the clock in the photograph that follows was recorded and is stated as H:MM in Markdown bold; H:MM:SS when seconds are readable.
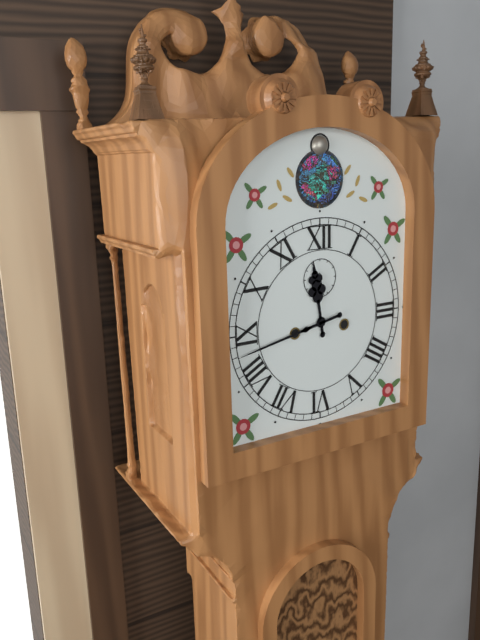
**11:43**
